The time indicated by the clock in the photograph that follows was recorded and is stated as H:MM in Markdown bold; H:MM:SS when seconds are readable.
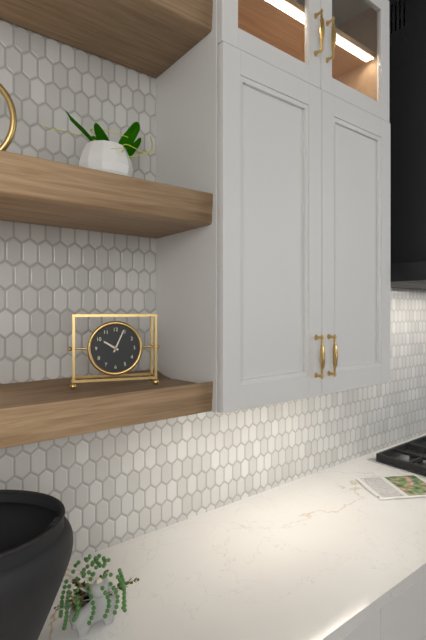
**10:04**
